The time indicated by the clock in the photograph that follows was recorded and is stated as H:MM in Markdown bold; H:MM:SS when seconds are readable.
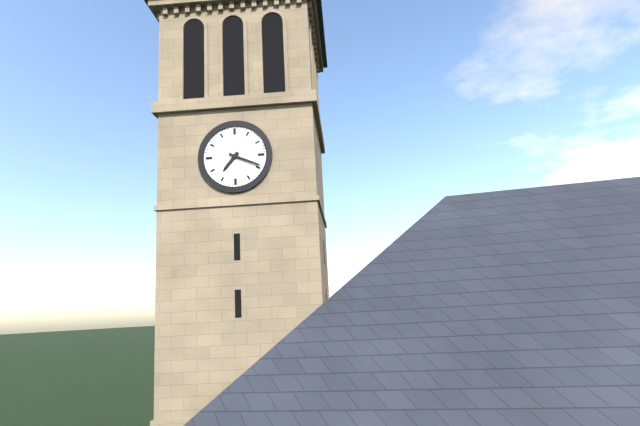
**7:19**
